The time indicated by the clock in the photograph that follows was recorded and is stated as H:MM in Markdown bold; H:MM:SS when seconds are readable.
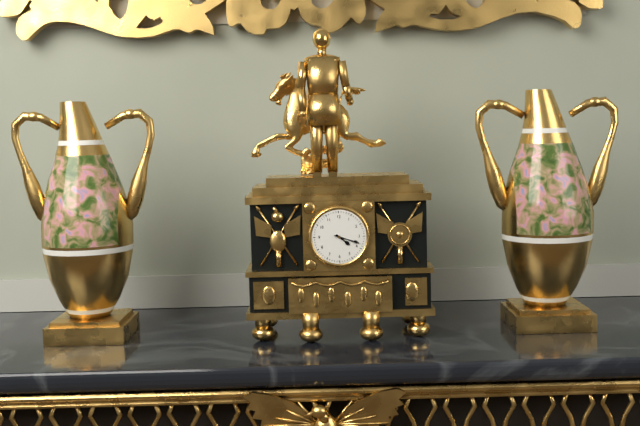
**4:18**
